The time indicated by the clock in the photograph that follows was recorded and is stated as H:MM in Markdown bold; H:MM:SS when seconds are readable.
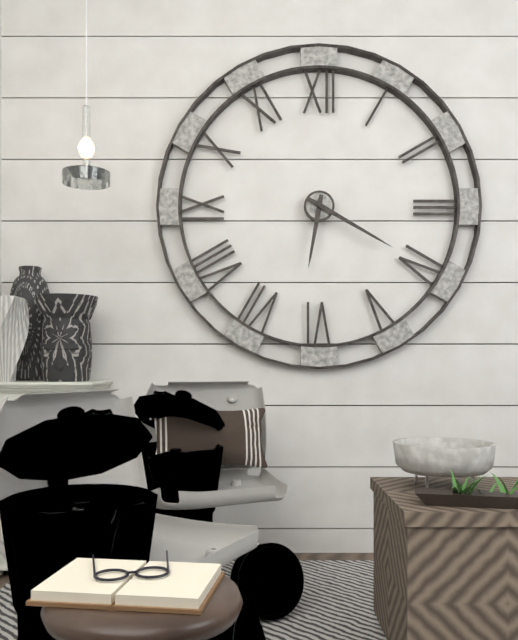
**6:20**
